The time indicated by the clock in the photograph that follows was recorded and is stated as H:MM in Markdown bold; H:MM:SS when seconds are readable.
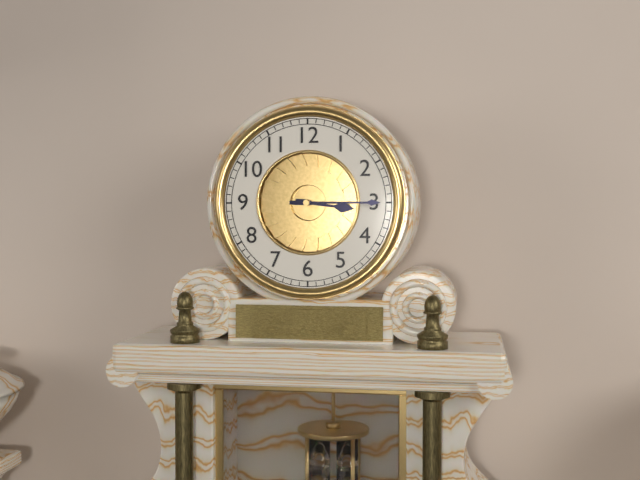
**3:15**
